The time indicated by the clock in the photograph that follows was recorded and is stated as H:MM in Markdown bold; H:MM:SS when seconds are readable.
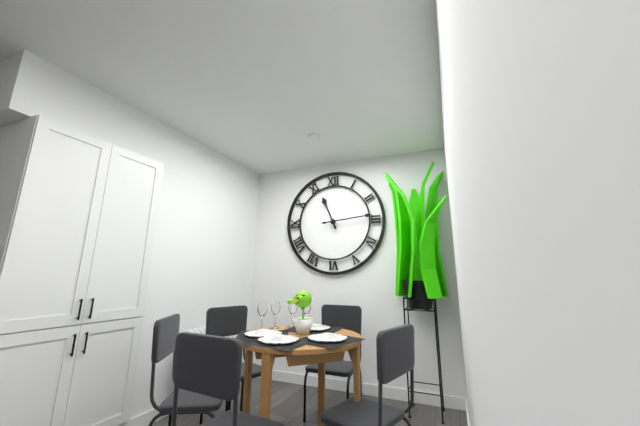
**11:14**
